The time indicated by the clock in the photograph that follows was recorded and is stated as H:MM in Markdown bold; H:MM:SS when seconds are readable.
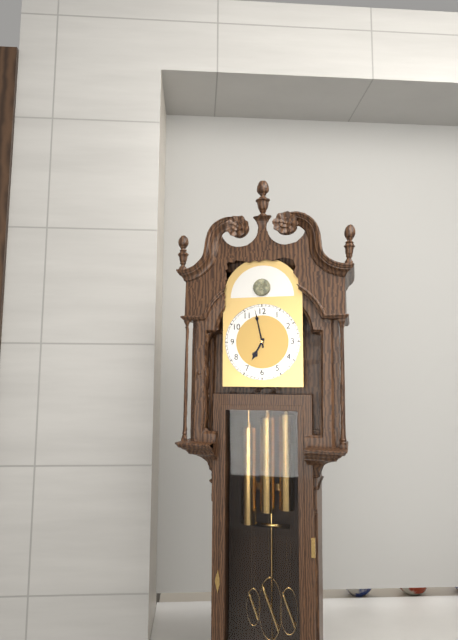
**6:58**
